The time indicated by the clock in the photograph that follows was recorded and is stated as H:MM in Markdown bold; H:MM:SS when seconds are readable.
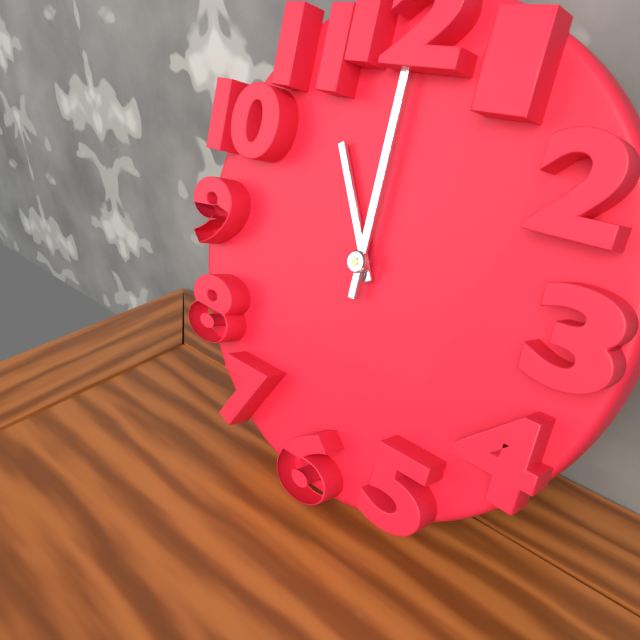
**11:00**
